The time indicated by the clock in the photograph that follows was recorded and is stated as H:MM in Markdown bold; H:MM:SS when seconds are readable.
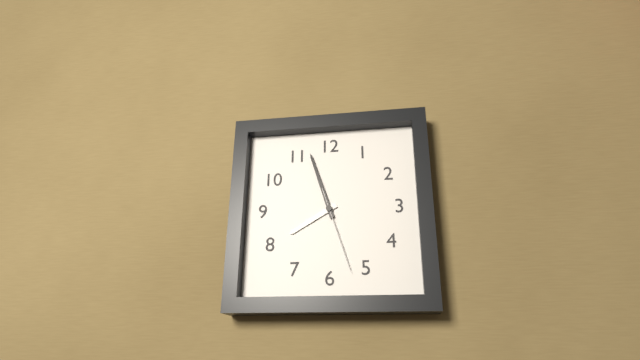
**7:57:27**
